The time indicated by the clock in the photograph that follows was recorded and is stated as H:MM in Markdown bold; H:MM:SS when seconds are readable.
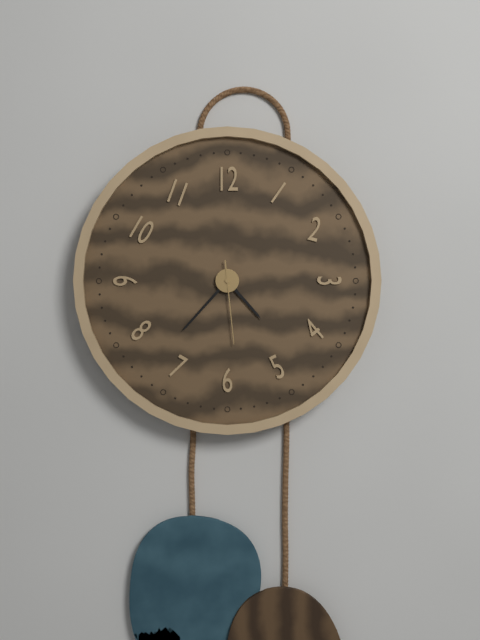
**4:37:29**
